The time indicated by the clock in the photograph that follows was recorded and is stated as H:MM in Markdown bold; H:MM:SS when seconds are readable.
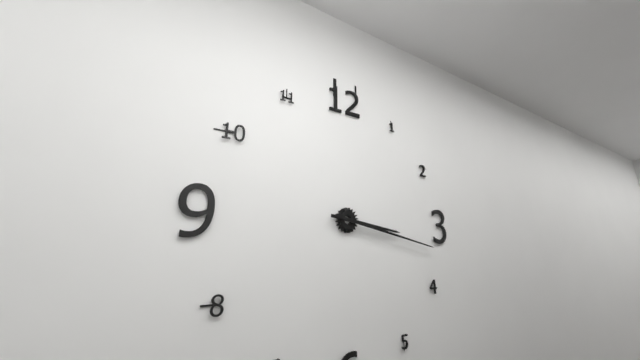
**3:17**
